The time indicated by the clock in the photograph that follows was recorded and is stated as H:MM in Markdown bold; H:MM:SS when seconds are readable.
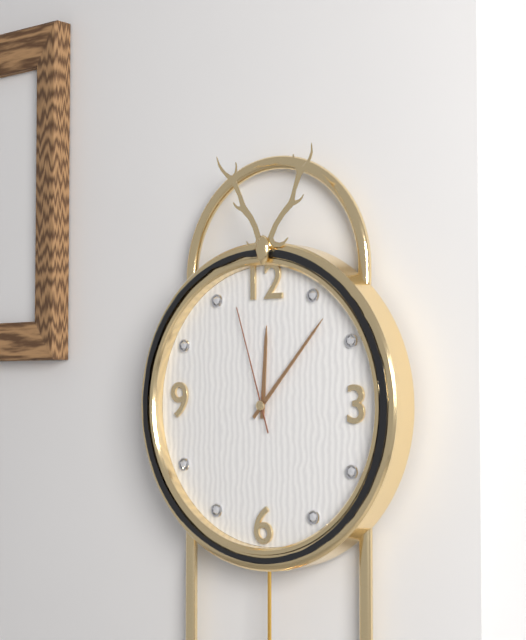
**12:07:57**
